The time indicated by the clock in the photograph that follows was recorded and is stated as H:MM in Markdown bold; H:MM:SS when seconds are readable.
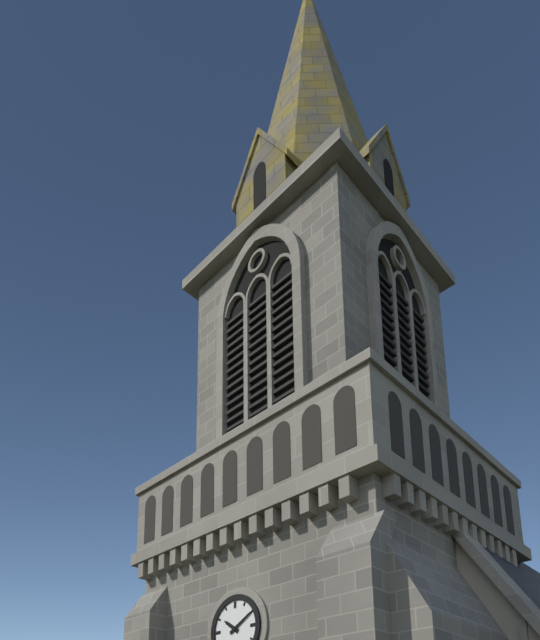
**10:10**
